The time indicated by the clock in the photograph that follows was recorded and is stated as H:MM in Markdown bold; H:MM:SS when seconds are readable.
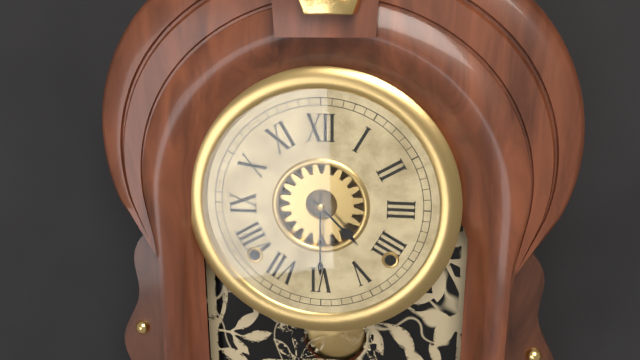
**4:30**
